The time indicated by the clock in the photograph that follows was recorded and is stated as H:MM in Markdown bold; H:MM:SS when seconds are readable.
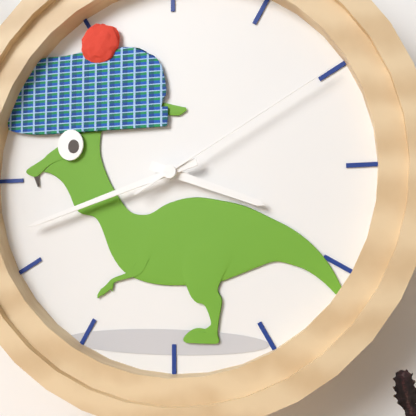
**3:42:10**
